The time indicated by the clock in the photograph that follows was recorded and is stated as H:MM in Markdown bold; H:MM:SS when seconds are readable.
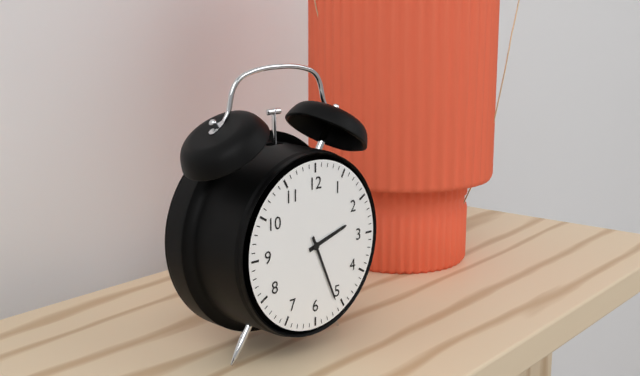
**2:26**
